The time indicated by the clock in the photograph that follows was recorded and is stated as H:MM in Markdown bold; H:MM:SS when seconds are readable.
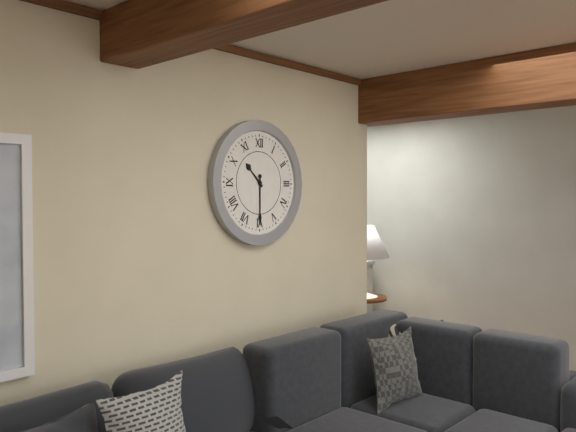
**10:30**
